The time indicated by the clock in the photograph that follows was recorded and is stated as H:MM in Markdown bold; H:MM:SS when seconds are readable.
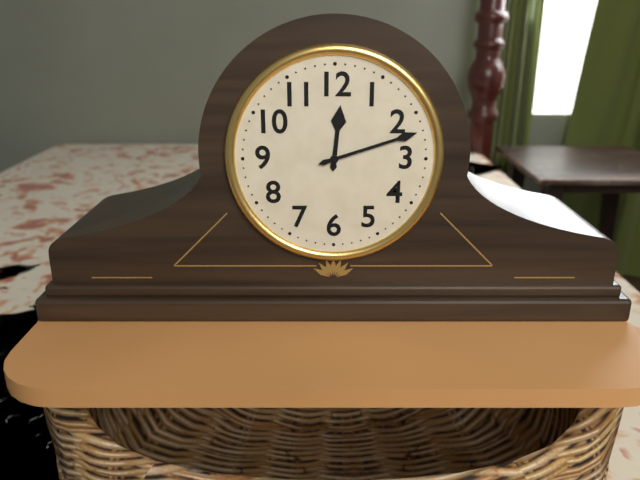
**12:12**
